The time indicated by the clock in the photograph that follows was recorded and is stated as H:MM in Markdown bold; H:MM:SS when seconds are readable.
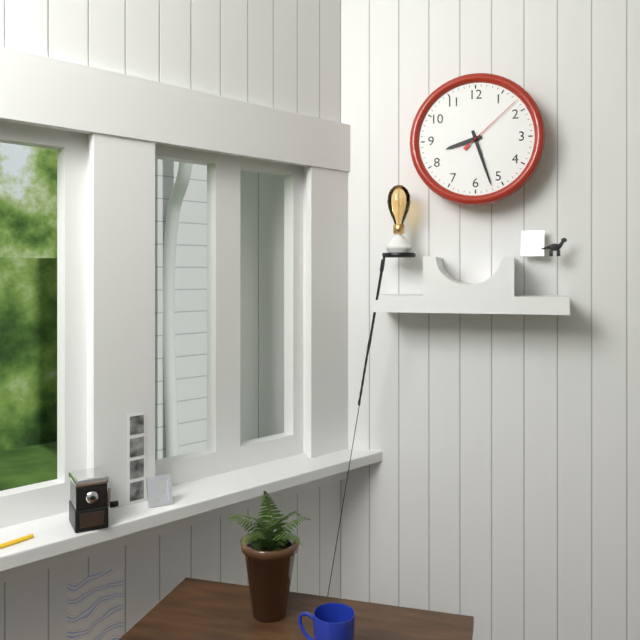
**8:27:08**
